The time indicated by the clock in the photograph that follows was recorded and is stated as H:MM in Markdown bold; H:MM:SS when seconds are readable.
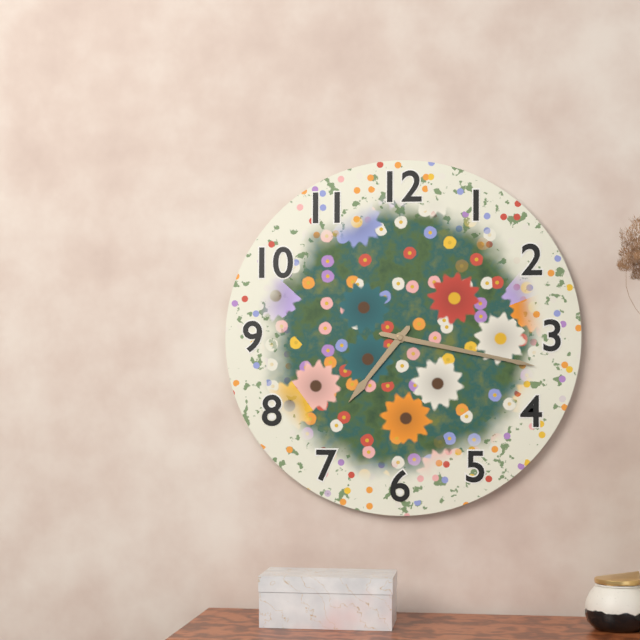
**7:17**
